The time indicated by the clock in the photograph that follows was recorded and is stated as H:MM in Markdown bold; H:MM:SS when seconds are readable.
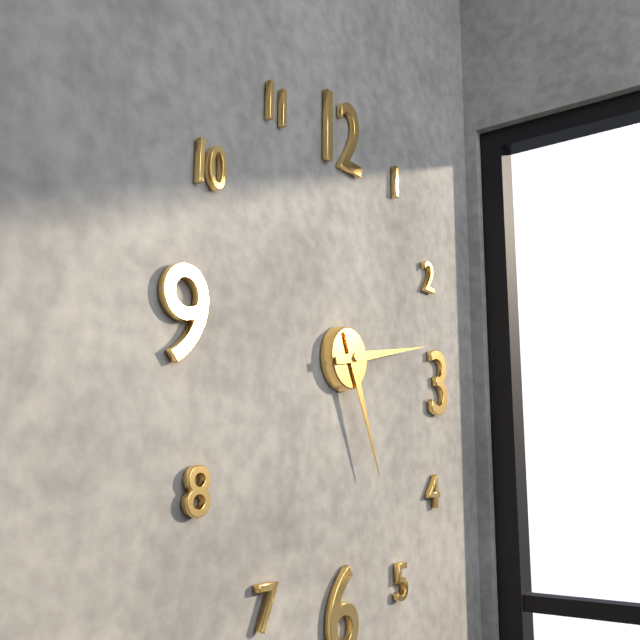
**5:13**
